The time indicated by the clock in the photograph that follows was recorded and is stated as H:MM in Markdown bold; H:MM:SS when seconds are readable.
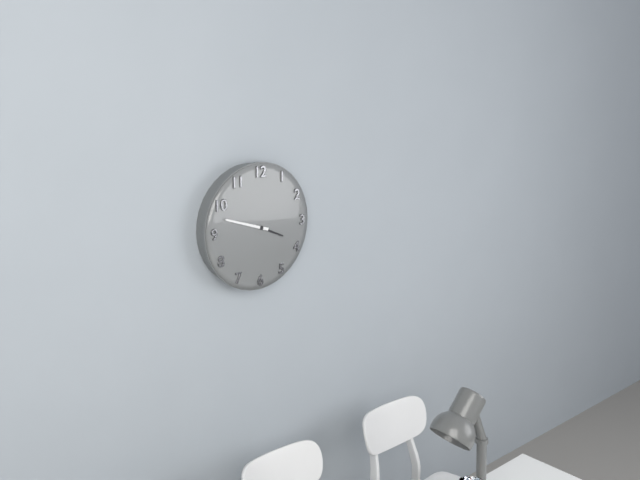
**3:48**
